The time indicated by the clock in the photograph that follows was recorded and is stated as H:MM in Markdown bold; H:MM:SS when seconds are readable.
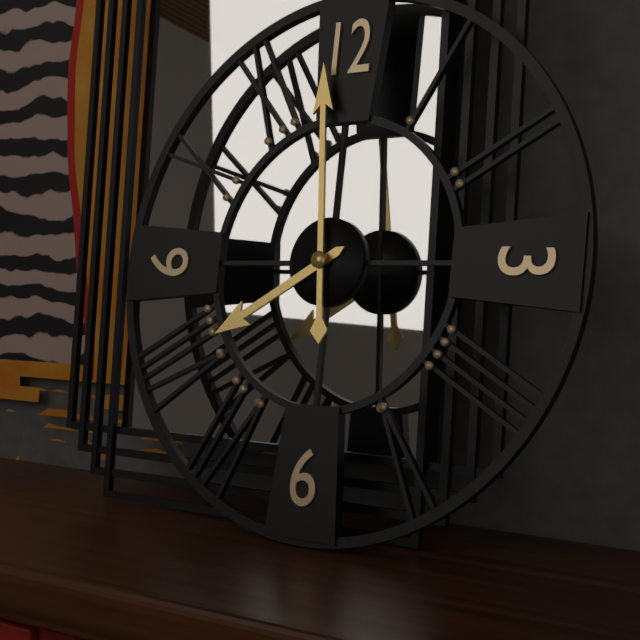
**7:59**
